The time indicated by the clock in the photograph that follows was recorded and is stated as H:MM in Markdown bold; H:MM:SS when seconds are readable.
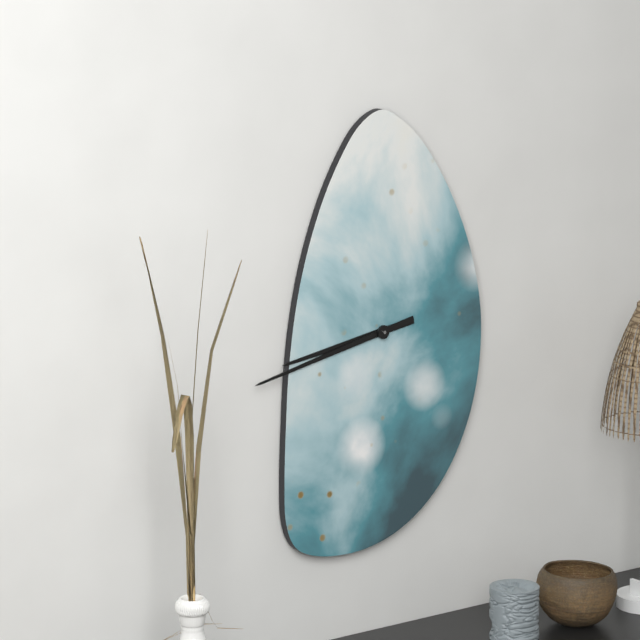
**8:43**
